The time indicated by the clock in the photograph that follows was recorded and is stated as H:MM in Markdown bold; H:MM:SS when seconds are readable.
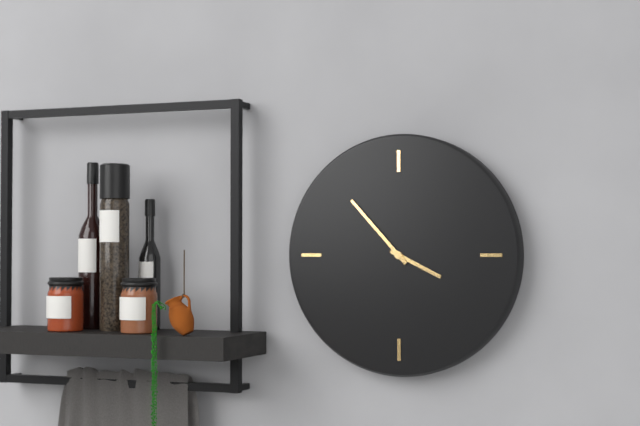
**3:53**
